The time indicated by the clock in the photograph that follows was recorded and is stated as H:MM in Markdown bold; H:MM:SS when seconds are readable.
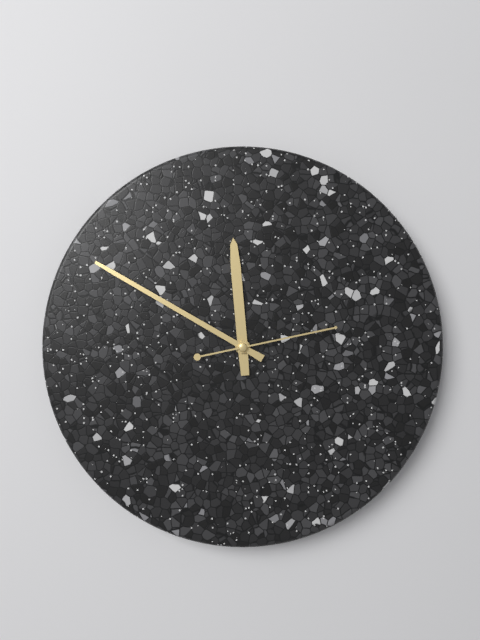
**11:50:13**
